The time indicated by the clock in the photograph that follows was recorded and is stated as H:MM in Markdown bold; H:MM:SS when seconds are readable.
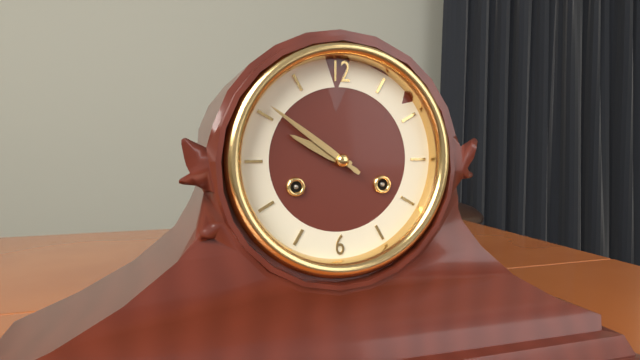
**9:51**
